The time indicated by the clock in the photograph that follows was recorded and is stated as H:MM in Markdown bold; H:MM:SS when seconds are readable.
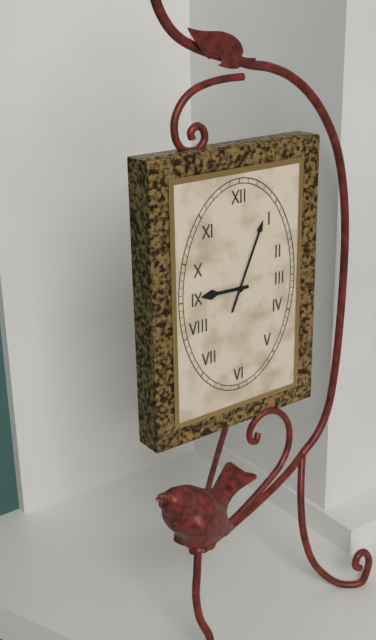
**9:04**
